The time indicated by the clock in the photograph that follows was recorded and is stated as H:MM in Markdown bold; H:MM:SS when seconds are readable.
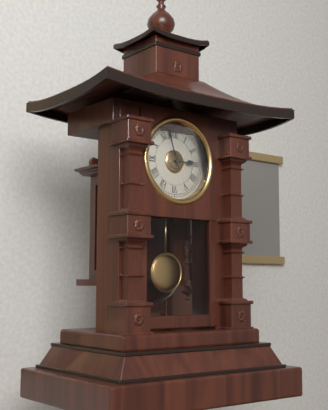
**2:57**
